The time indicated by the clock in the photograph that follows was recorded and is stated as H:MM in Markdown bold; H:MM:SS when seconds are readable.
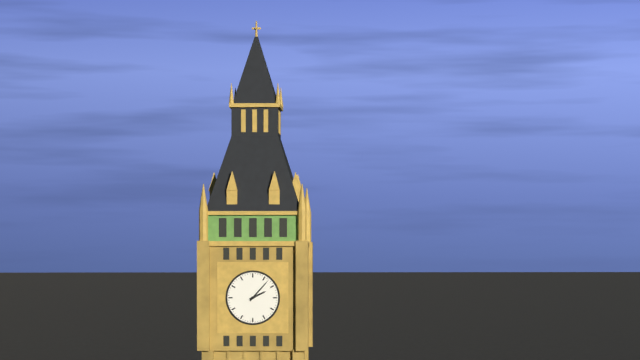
**2:07**
